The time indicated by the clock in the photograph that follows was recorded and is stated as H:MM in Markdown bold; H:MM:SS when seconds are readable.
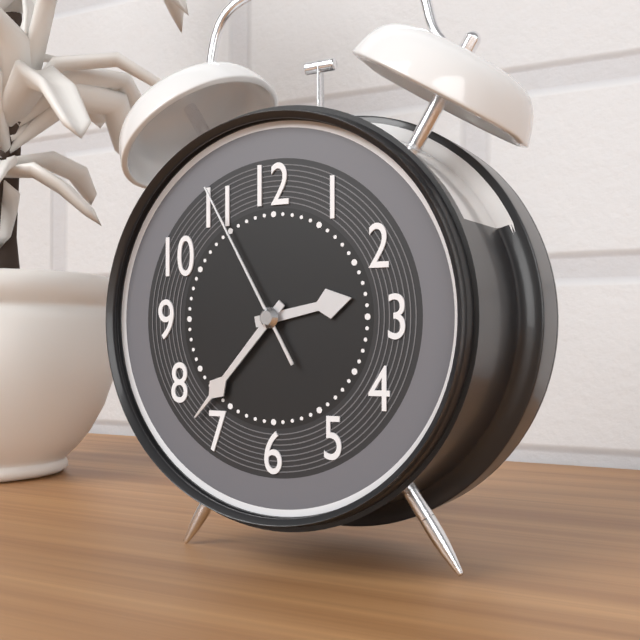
**2:37:55**
